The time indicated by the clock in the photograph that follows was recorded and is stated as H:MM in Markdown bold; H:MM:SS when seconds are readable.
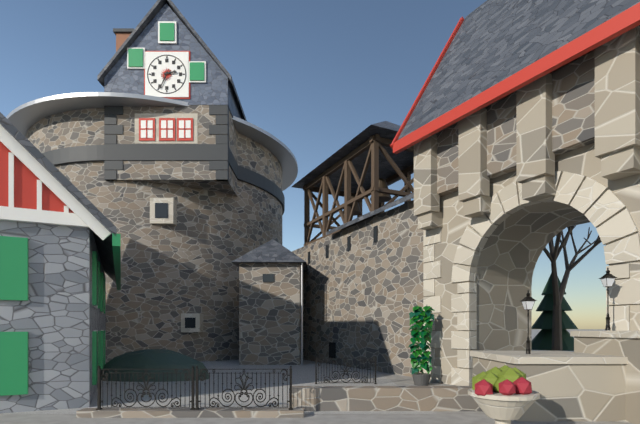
**2:34**
